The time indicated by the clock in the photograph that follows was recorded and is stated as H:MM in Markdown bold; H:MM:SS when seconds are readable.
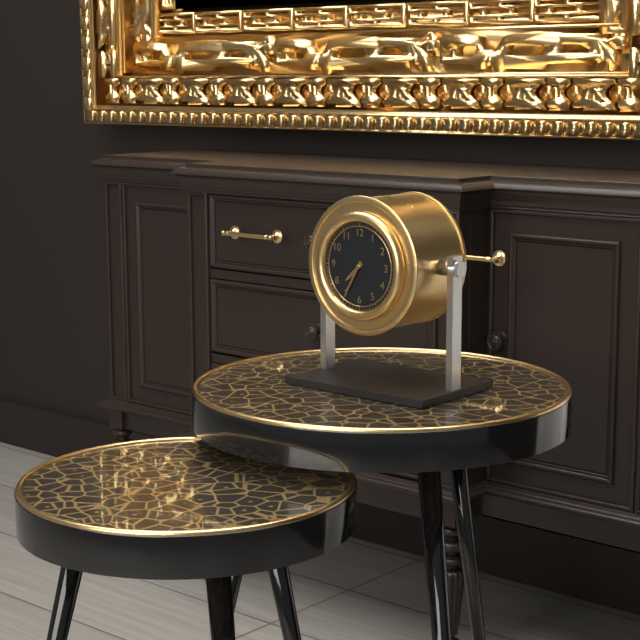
**7:35**
